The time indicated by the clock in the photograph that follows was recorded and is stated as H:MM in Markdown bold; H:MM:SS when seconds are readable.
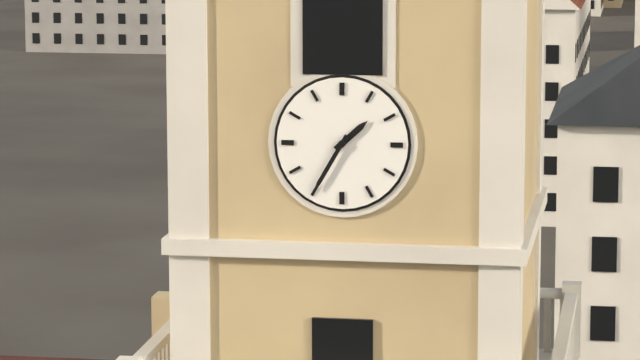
**1:35**
